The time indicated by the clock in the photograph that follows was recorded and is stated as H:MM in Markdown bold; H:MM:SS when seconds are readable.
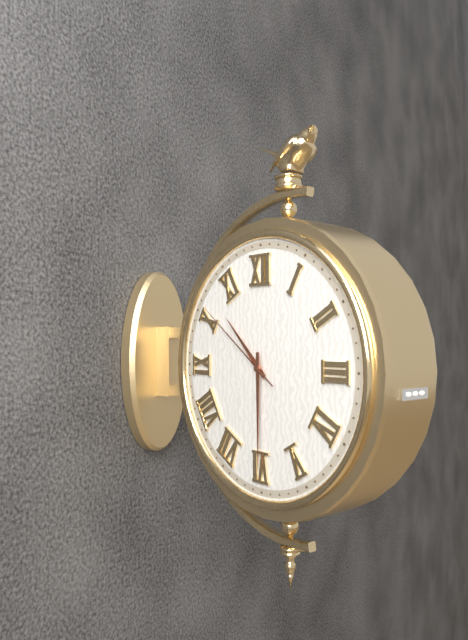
**10:30:51**
